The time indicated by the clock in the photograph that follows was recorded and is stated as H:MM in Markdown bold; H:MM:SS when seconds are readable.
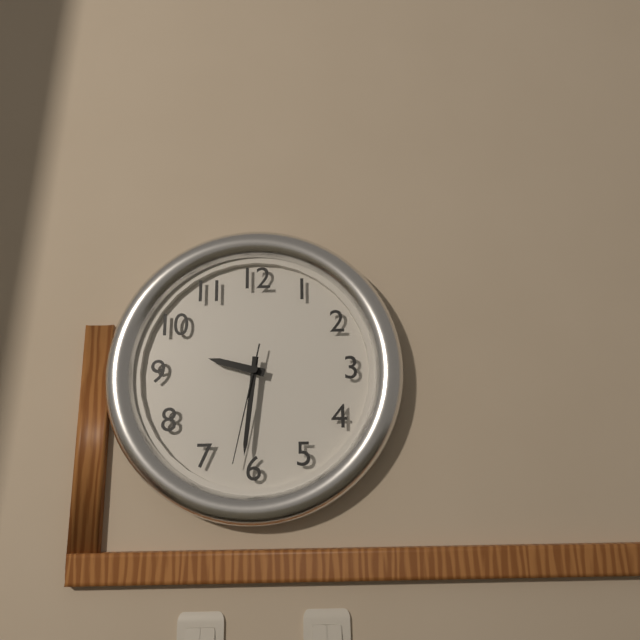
**9:31:32**
